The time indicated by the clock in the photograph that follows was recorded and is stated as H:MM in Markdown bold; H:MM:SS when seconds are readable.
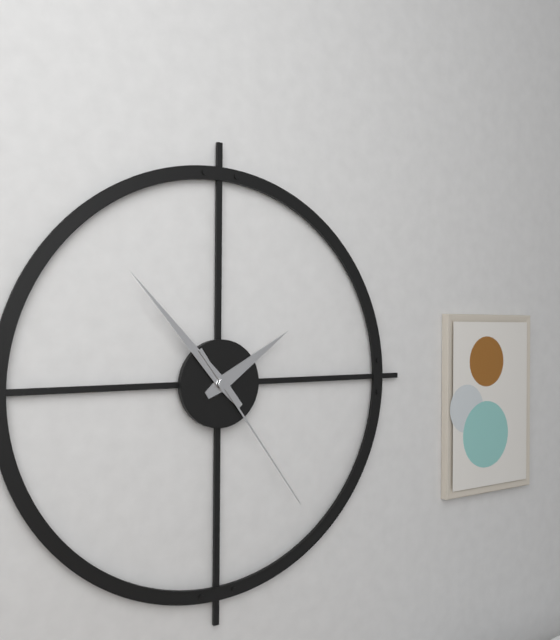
**1:53:24**
